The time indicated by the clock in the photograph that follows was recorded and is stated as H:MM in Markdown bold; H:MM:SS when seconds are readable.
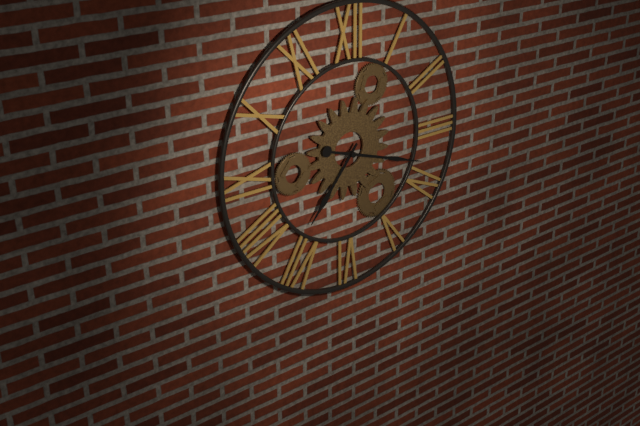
**7:18**
